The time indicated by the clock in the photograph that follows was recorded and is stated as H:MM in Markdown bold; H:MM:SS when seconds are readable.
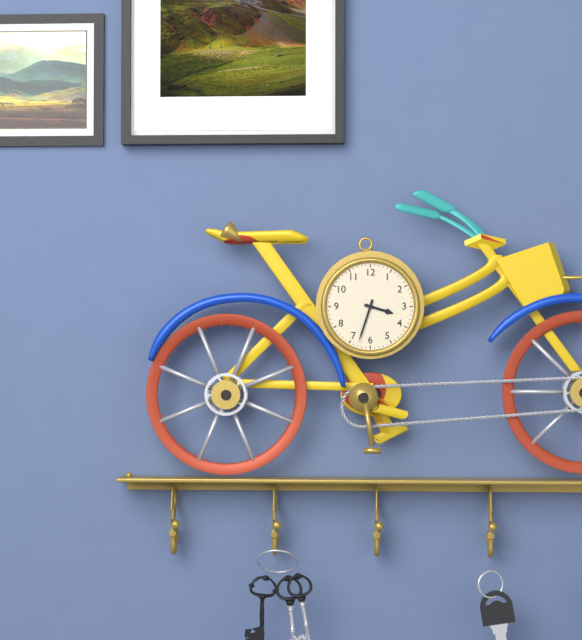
**3:33**
